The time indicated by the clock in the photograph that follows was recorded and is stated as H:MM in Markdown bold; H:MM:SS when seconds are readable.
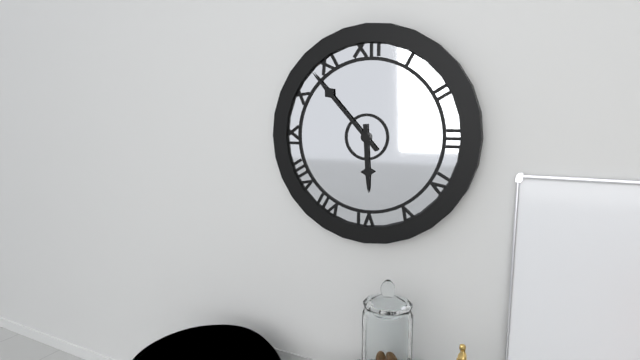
**5:53**
